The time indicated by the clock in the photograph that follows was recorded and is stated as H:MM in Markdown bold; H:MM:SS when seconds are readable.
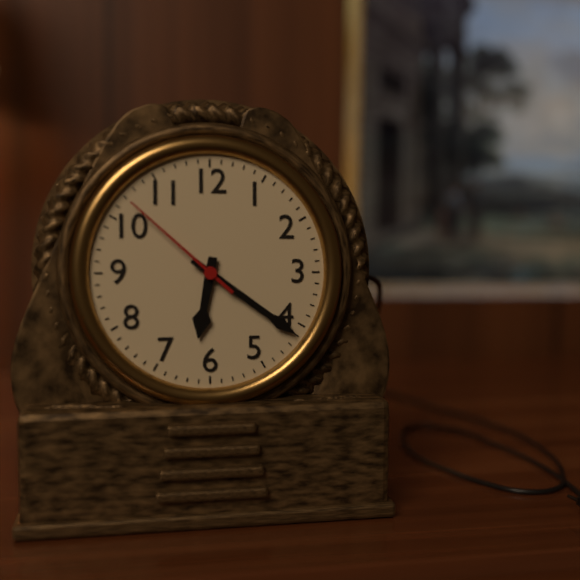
**6:21:52**
